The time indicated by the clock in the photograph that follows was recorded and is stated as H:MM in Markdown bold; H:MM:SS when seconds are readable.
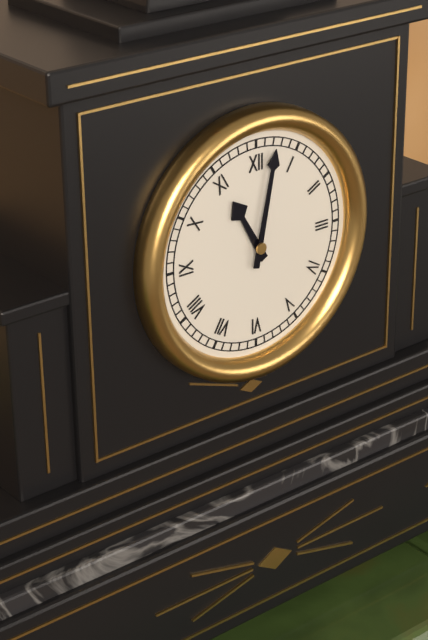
**11:02**
